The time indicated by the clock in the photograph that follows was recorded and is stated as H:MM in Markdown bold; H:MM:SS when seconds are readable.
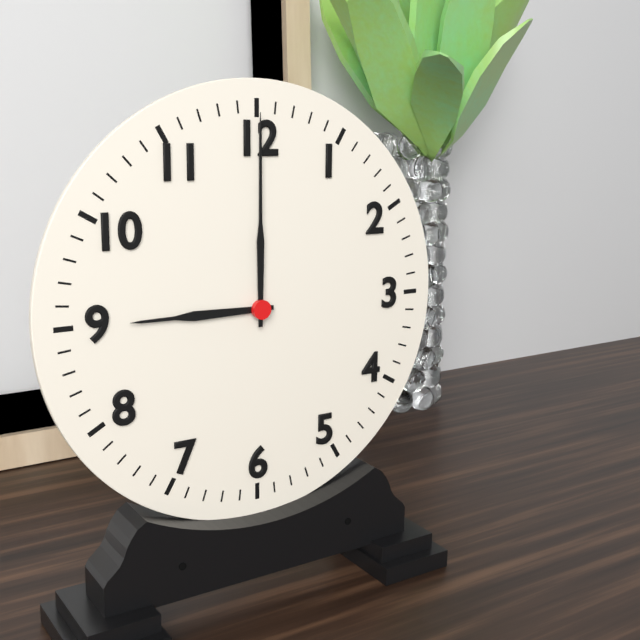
**9:00**
